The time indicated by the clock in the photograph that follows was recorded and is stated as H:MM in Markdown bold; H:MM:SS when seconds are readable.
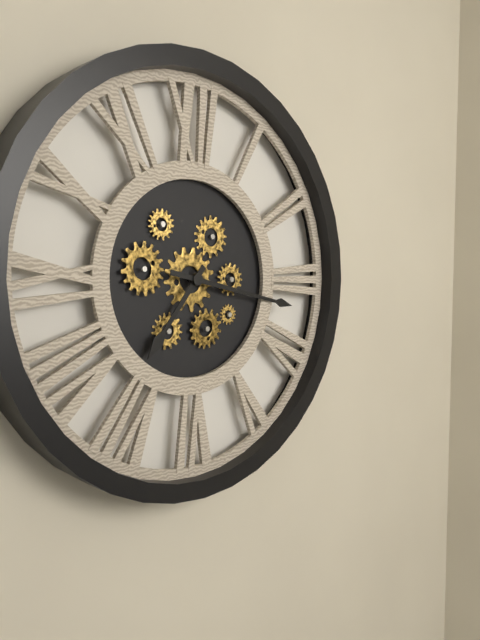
**7:17**
